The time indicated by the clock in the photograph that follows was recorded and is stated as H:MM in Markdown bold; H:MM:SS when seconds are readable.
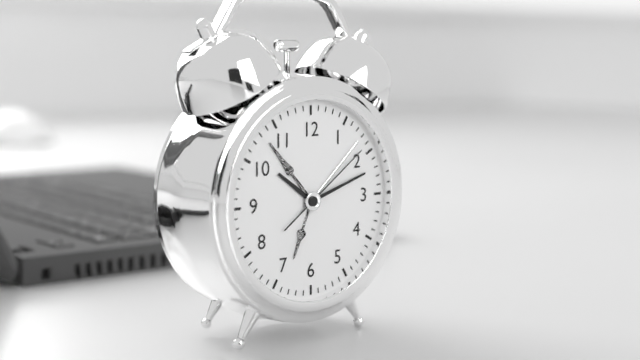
**10:12:09**
